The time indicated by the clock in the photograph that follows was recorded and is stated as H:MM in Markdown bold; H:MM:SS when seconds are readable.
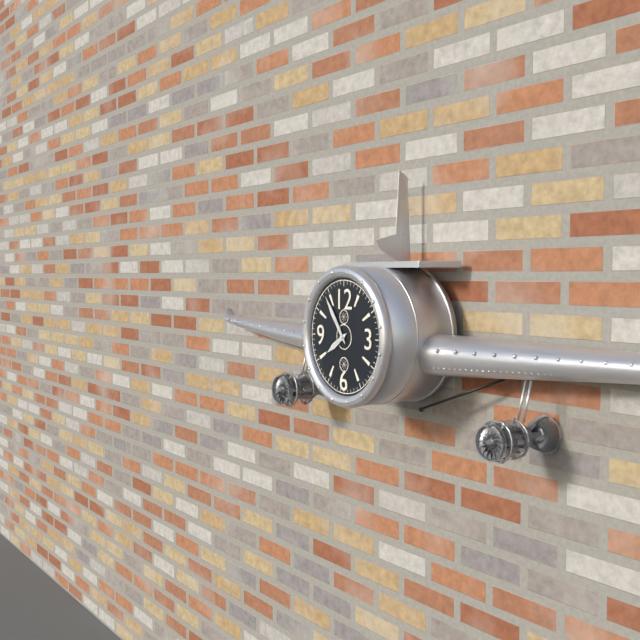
**7:54**
